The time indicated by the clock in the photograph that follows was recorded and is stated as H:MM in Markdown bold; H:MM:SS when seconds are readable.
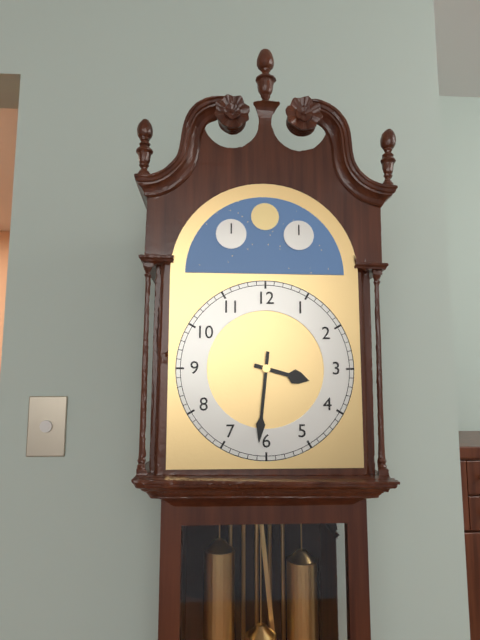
**3:31**
